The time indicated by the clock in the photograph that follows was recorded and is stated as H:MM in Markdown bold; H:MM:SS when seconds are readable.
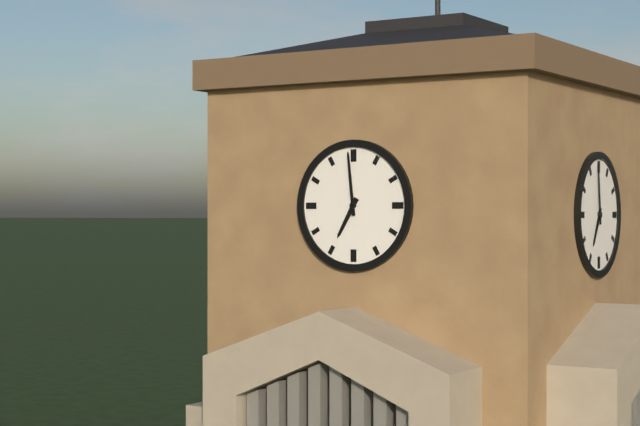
**6:59**
